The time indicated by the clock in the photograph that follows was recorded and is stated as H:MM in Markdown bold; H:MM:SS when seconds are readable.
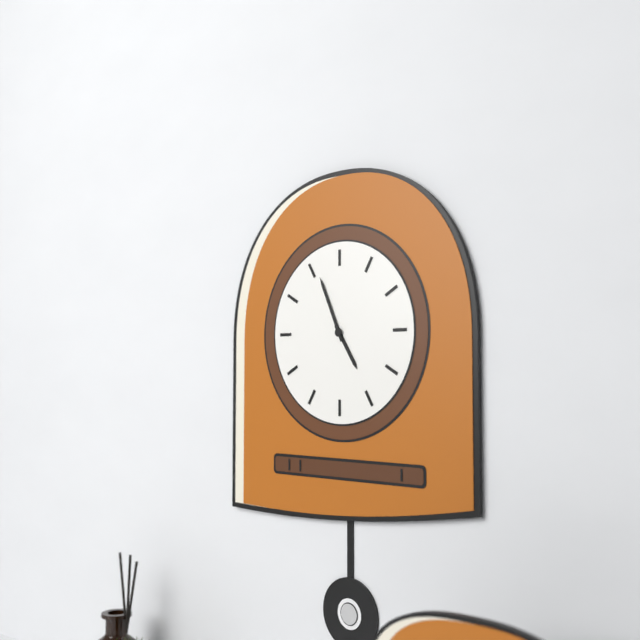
**4:56**
